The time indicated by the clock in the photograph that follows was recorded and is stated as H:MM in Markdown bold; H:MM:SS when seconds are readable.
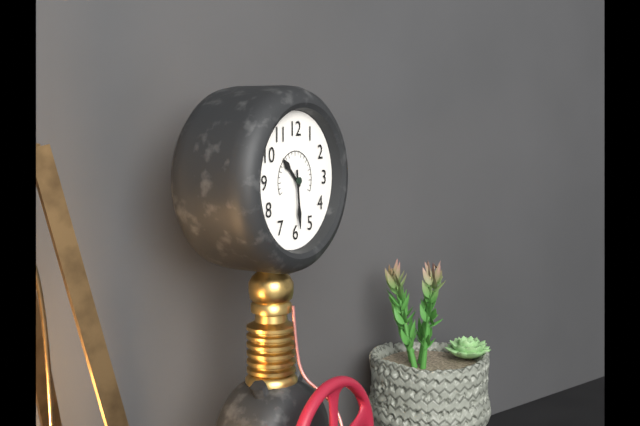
**10:29**
